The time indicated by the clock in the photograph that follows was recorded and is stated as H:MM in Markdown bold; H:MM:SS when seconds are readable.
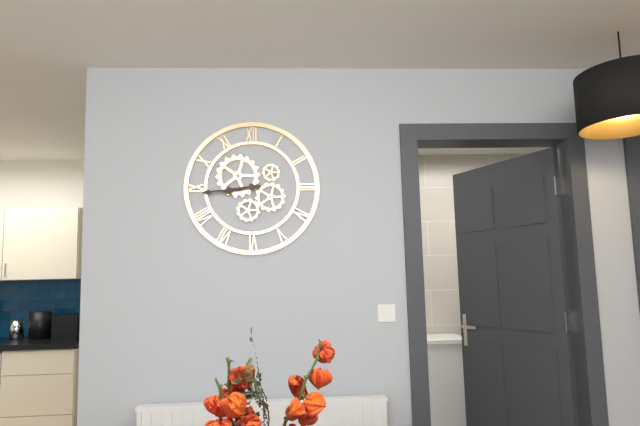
**8:44**
